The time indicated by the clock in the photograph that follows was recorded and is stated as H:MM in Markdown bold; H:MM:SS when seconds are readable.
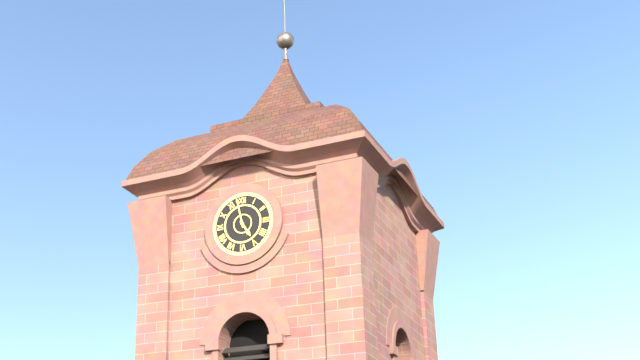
**4:58**
